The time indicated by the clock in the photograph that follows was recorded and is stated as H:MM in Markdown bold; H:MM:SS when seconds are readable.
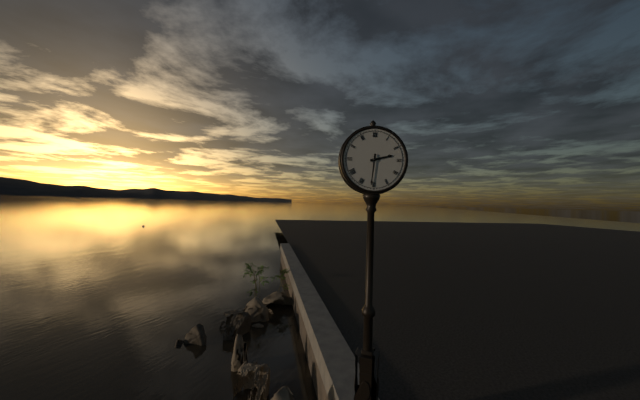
**2:31**
